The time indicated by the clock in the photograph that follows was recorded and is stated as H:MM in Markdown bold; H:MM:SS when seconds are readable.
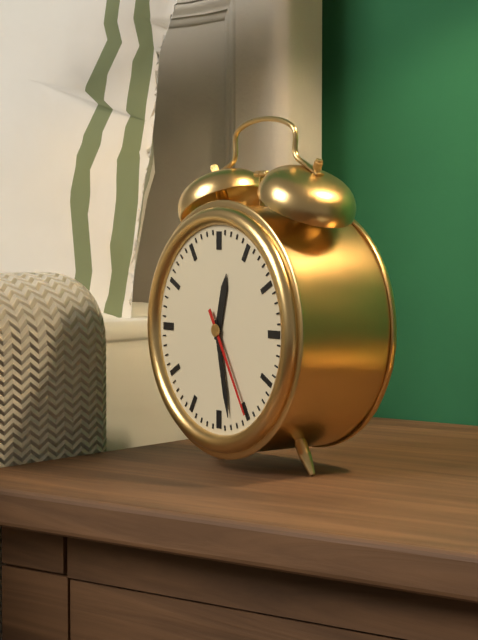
**12:28:25**
